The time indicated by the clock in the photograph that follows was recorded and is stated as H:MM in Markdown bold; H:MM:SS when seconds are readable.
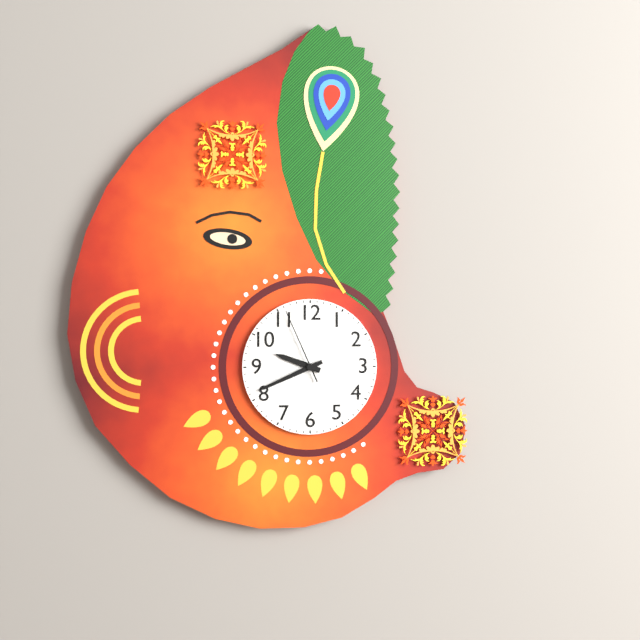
**9:41:56**
